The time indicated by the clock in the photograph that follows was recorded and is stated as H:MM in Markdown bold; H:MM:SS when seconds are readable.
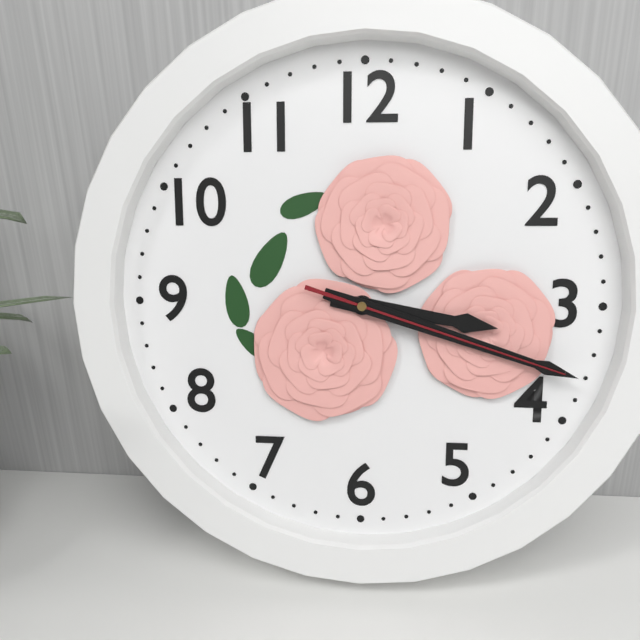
**3:18:18**
